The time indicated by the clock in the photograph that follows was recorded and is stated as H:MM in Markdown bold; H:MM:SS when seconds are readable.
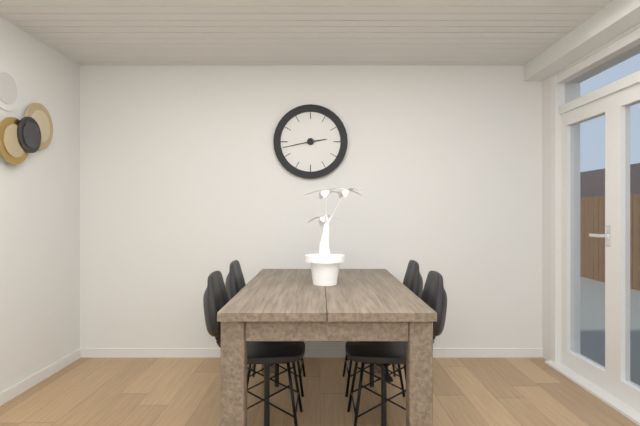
**2:43**
